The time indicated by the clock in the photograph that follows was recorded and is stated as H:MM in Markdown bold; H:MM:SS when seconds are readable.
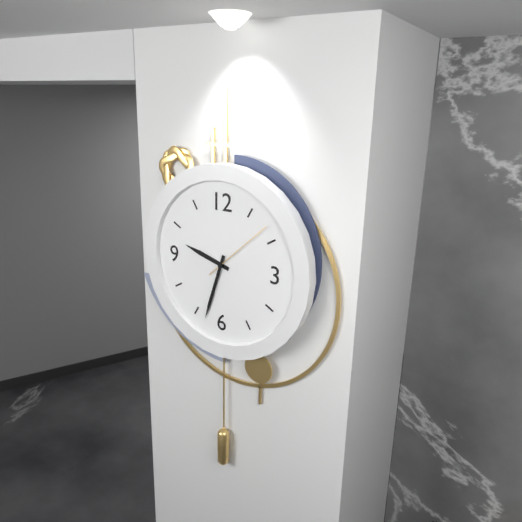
**9:33:08**
